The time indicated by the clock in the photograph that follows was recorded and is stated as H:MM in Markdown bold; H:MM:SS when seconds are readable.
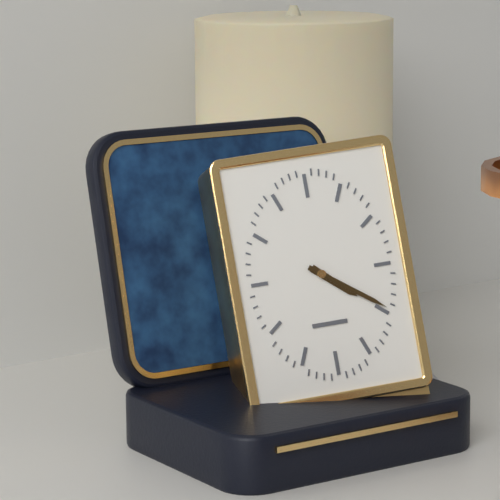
**4:21**
